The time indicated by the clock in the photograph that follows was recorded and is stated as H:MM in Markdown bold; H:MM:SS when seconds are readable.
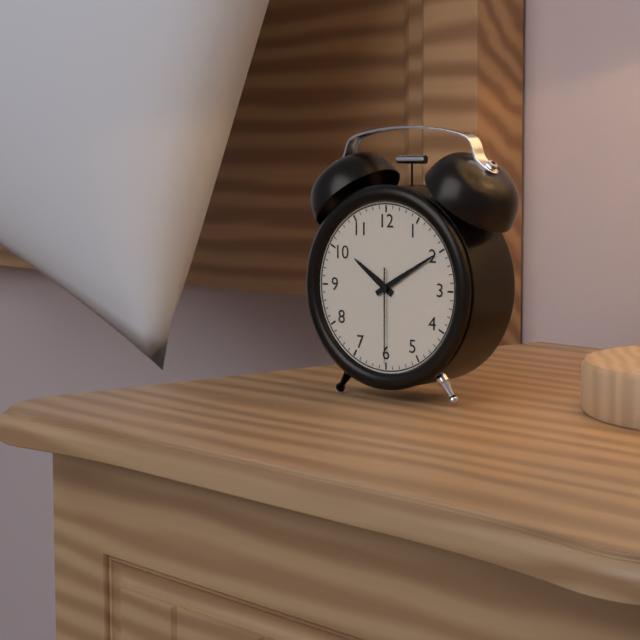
**10:10:30**
